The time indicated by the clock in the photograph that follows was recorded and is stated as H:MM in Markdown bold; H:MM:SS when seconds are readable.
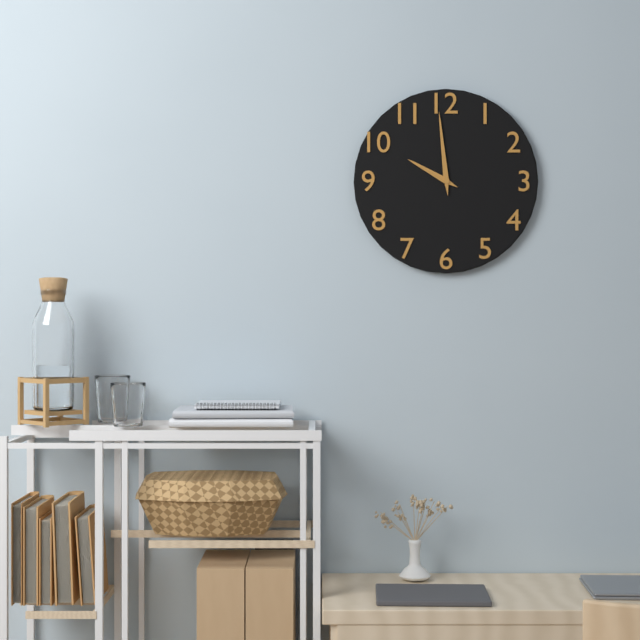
**9:59**
